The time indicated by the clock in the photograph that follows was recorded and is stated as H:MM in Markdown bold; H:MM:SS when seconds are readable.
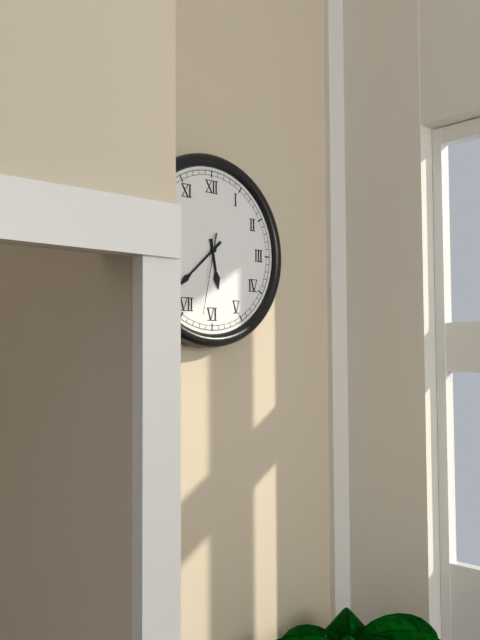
**5:38:32**
